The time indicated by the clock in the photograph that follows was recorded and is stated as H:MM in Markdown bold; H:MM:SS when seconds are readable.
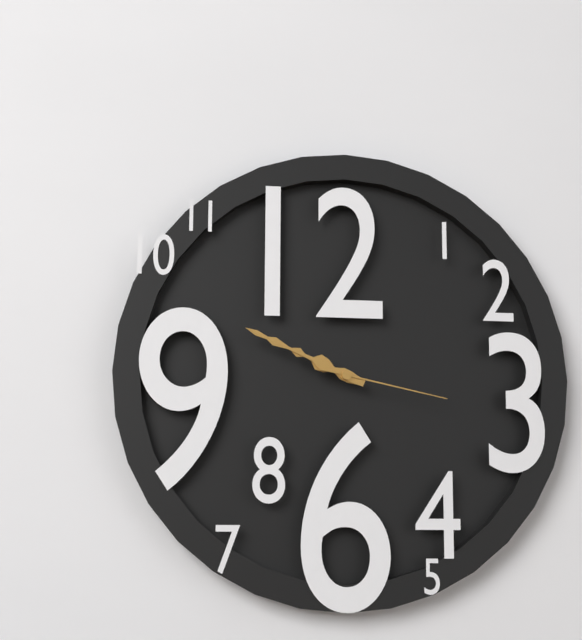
**9:49:17**
